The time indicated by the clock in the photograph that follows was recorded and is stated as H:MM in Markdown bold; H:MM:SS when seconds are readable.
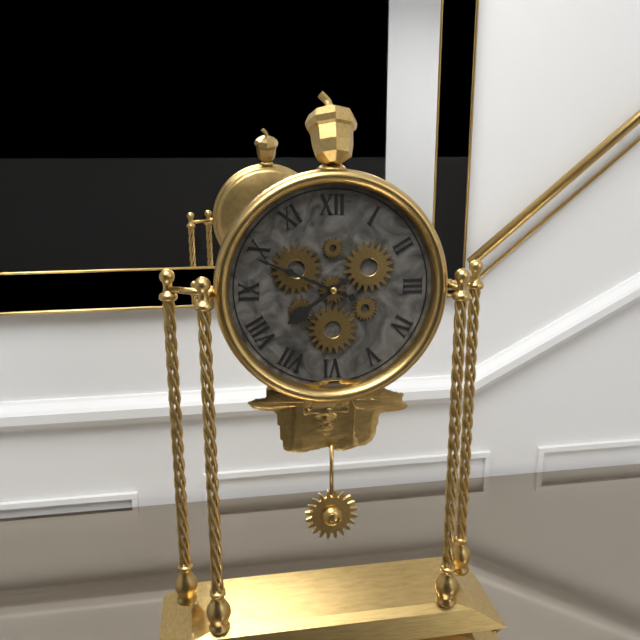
**7:49**
